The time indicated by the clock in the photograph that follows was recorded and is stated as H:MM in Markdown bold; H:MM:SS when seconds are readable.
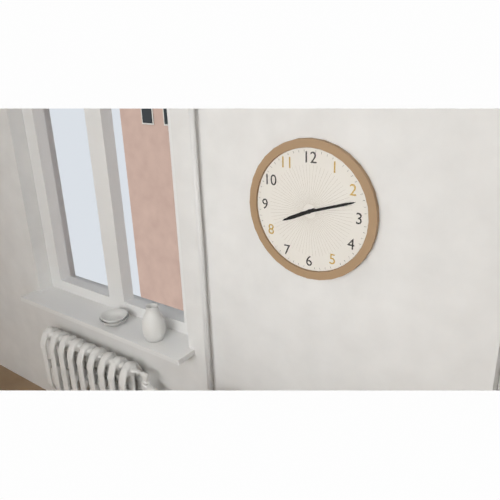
**8:12**
